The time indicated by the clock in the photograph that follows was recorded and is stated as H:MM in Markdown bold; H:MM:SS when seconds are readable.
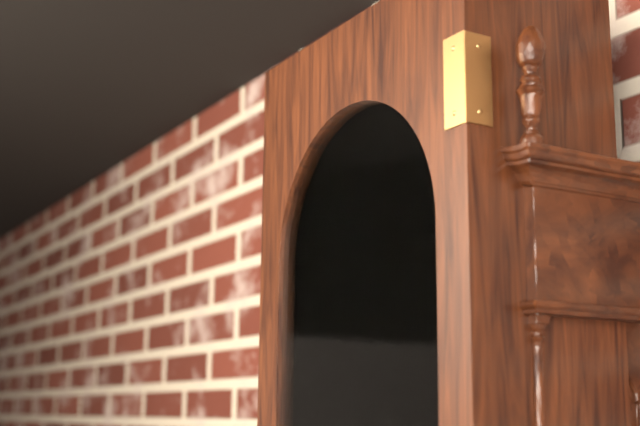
**10:10**
